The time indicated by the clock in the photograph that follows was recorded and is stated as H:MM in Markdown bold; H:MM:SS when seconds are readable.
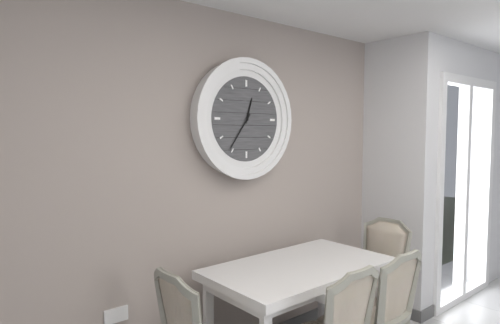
**12:36**
